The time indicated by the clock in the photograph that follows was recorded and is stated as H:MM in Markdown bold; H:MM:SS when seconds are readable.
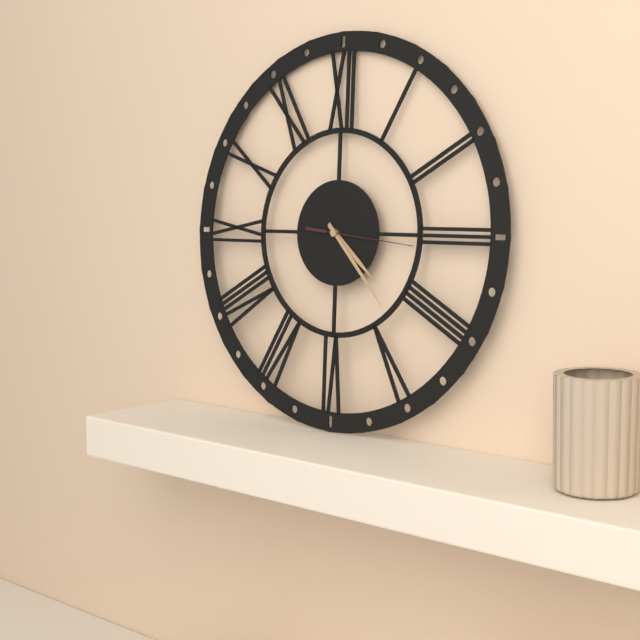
**4:23:16**
